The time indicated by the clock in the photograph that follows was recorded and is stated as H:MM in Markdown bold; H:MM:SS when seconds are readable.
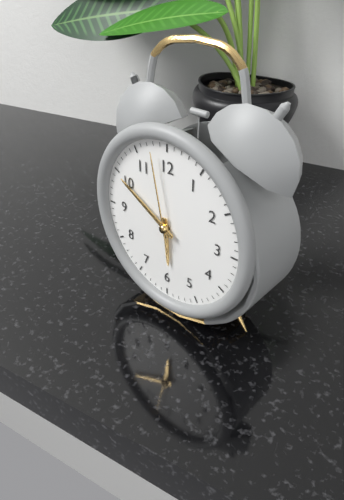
**5:50:58**
